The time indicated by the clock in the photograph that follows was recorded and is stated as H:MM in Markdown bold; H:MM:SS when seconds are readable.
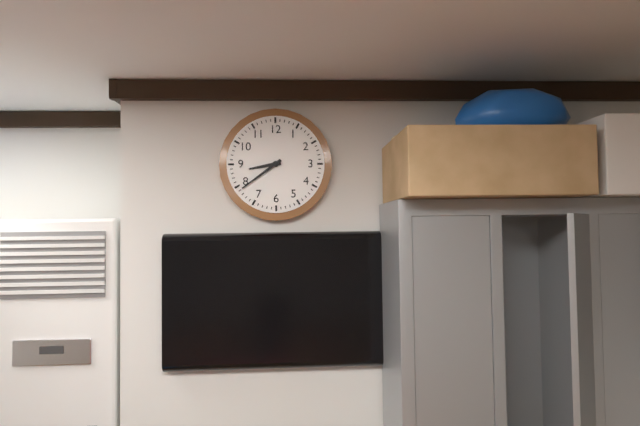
**8:39**
